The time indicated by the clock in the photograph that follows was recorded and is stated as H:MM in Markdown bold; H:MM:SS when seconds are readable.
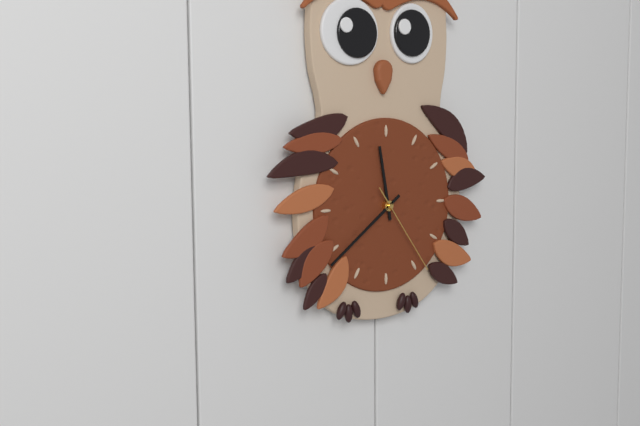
**11:39:24**
